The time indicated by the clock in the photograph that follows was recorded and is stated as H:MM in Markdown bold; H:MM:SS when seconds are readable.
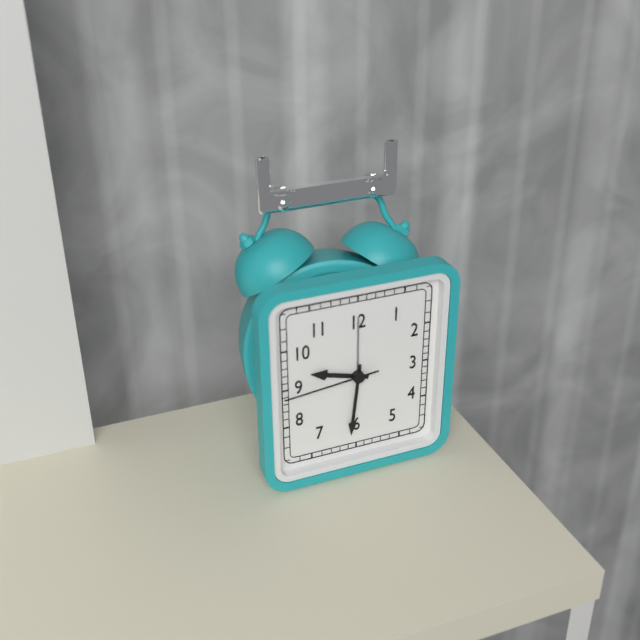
**9:31:44**
